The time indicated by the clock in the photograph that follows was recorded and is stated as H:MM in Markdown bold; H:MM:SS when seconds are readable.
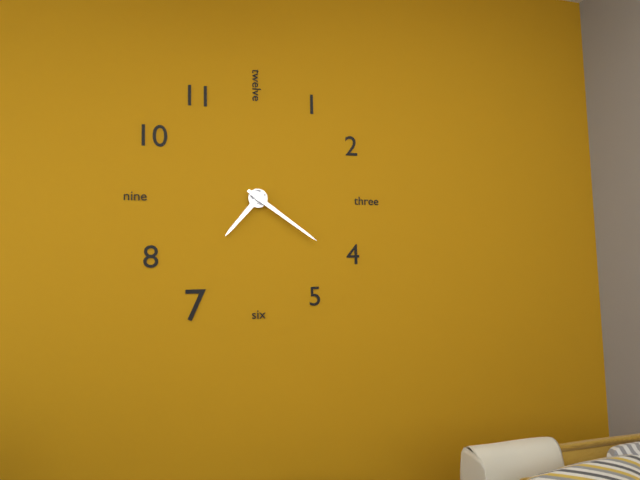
**7:21**
